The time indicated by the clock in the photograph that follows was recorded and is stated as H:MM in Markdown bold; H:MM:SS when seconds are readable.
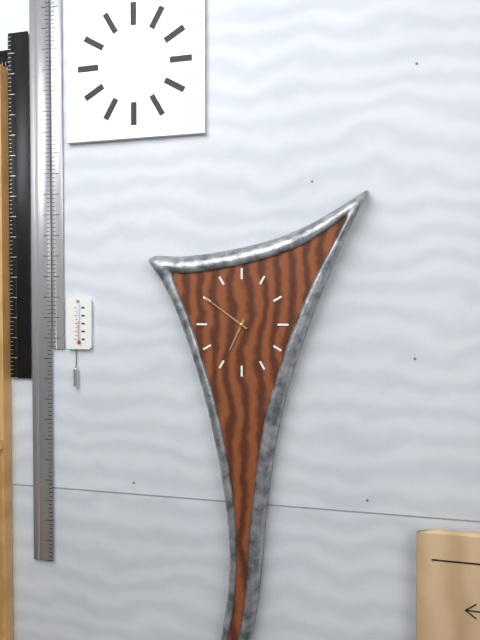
**6:51**
